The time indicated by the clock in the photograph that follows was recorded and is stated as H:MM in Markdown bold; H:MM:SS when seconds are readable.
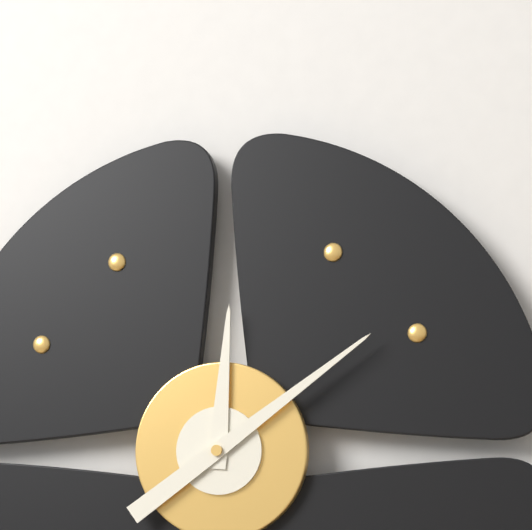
**12:09**
